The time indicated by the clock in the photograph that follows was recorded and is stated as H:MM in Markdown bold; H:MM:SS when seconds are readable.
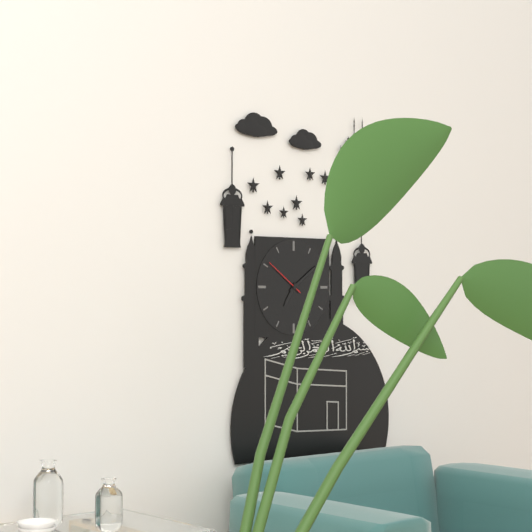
**7:09**
